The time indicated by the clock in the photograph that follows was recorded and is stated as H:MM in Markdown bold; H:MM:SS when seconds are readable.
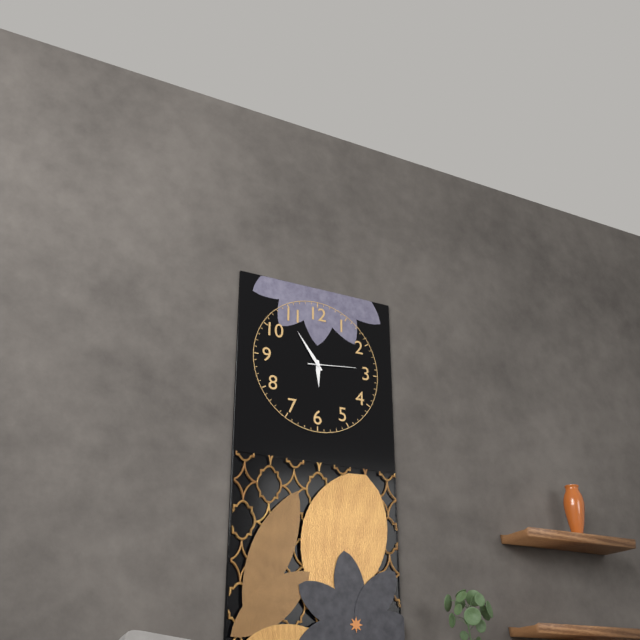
**5:54**
